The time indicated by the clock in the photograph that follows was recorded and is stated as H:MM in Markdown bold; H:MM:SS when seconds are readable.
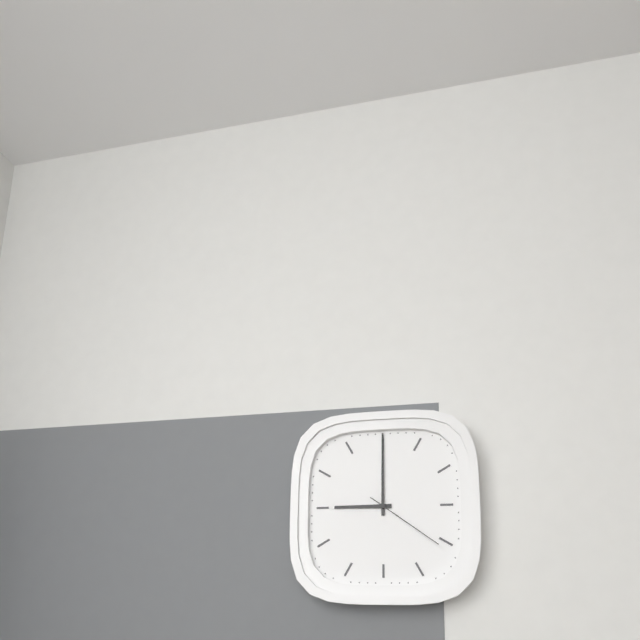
**9:00:21**
